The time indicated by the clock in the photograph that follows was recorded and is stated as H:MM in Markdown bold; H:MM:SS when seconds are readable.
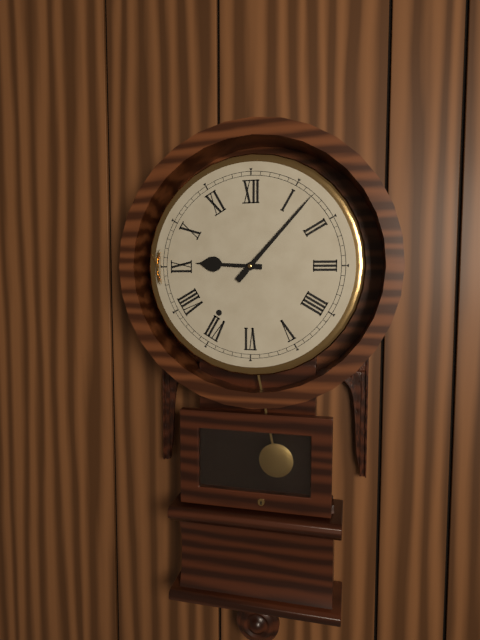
**9:07**
